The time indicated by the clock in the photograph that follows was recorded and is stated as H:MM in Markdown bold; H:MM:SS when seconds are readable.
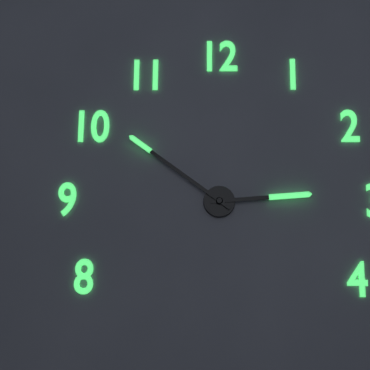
**2:51**
